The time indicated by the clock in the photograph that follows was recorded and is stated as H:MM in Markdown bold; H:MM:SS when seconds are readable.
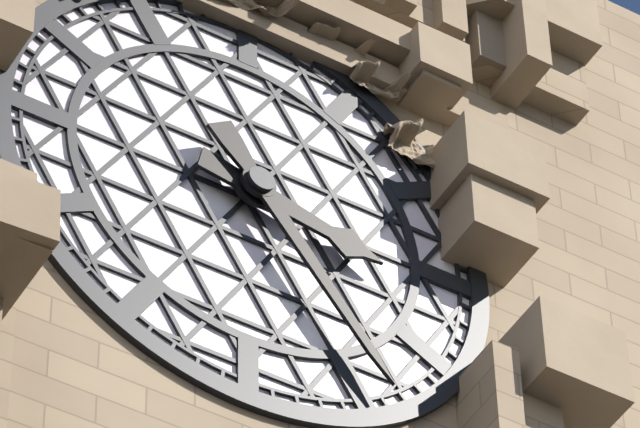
**3:24**
